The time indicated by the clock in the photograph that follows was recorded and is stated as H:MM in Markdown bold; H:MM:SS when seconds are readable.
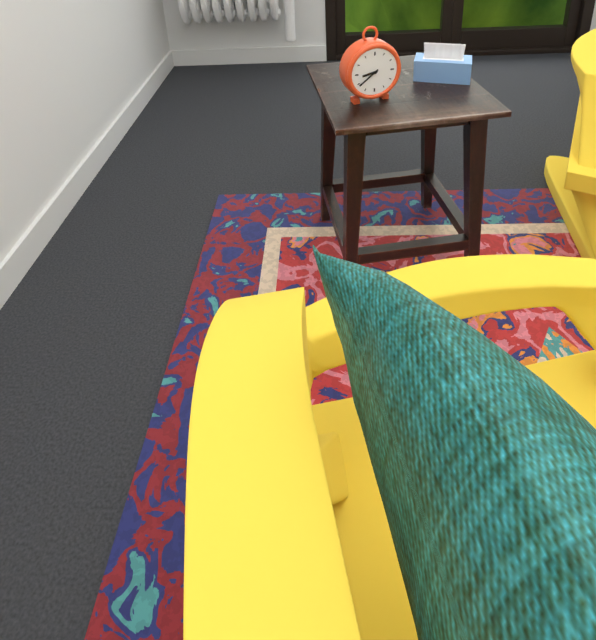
**8:39**
